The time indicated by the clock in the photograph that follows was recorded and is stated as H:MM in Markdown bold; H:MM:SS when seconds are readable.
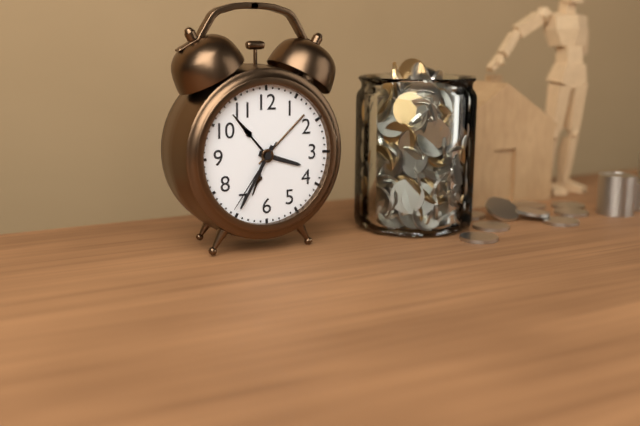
**3:35:36**
